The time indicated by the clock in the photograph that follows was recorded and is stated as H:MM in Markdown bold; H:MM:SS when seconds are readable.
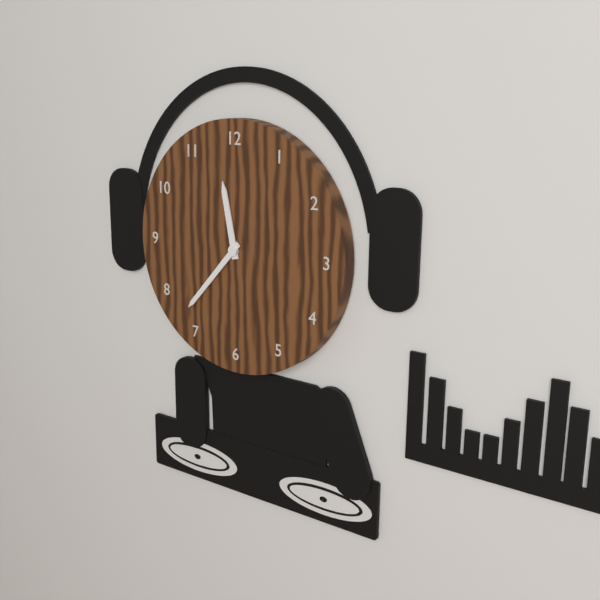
**11:37**
